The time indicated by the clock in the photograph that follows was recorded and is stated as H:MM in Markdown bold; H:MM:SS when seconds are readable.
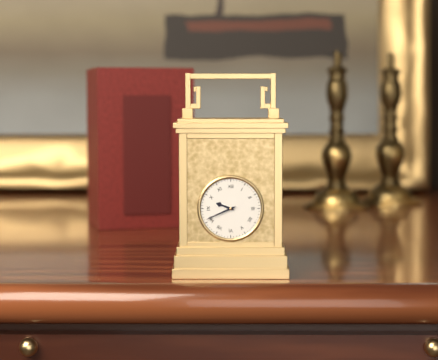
**9:41**
